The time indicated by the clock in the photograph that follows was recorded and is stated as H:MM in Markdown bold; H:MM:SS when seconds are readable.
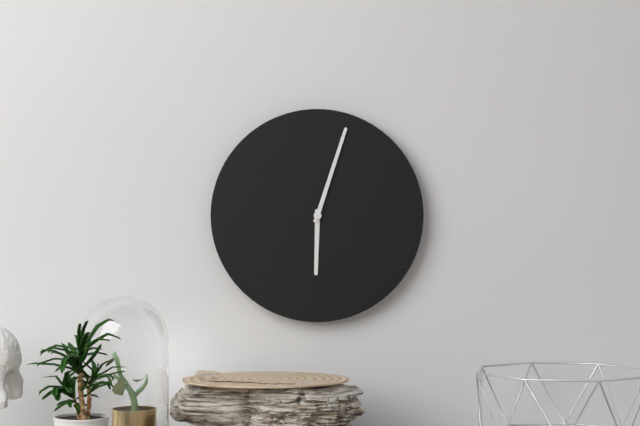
**6:03**
